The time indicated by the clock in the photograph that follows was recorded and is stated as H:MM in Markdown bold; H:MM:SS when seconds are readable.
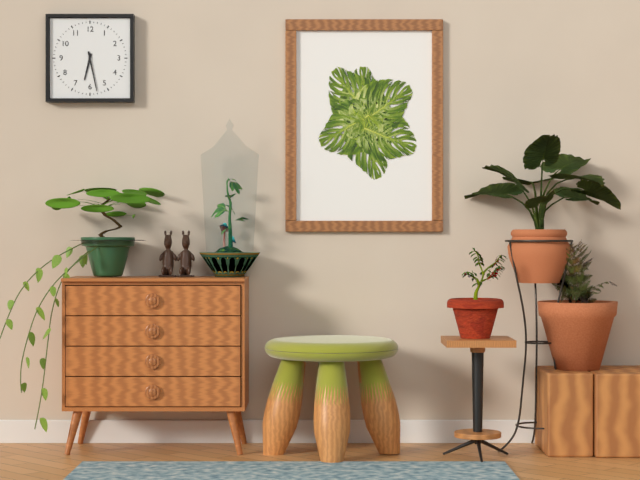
**6:28**
